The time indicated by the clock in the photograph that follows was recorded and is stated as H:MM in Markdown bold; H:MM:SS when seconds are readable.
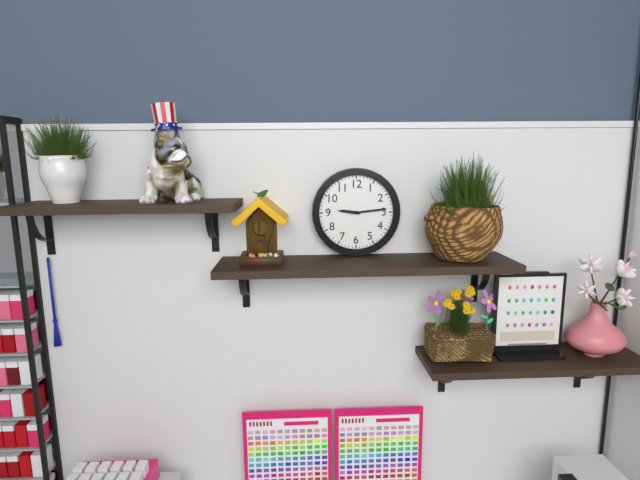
**9:14**
